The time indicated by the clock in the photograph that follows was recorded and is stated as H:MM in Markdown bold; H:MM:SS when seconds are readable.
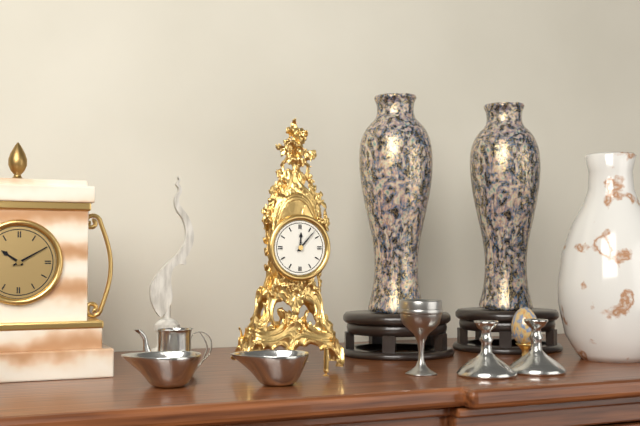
**12:07**
